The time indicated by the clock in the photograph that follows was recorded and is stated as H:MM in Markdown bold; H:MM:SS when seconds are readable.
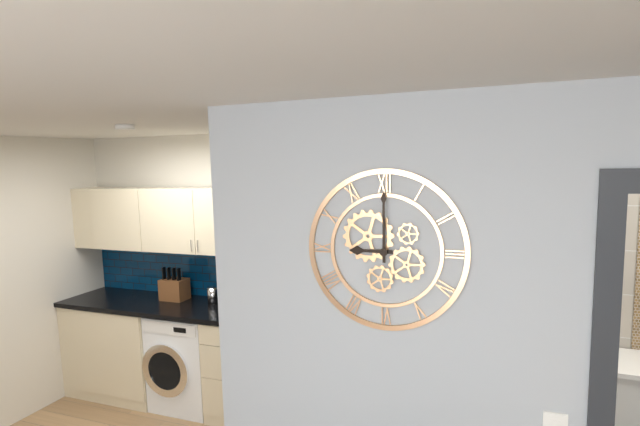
**9:00**
